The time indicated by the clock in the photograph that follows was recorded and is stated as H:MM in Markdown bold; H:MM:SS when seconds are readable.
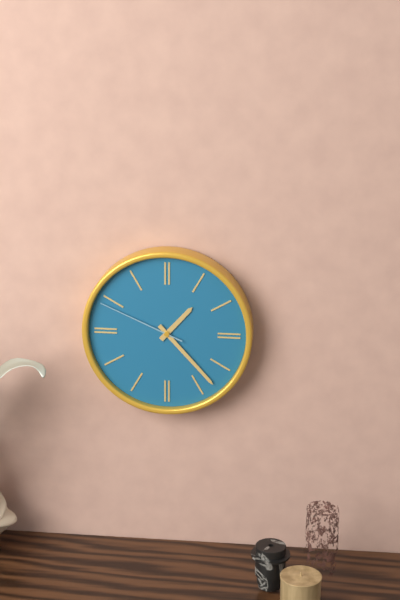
**1:23:49**
